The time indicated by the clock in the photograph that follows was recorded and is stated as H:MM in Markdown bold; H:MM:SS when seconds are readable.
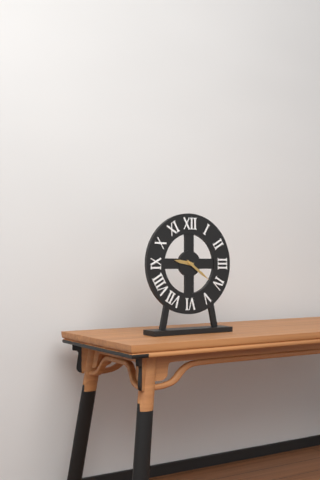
**9:21**
